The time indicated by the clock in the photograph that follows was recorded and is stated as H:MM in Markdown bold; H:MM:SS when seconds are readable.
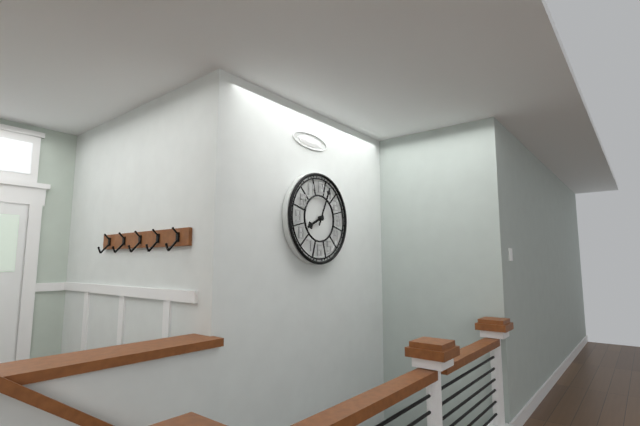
**8:04**
